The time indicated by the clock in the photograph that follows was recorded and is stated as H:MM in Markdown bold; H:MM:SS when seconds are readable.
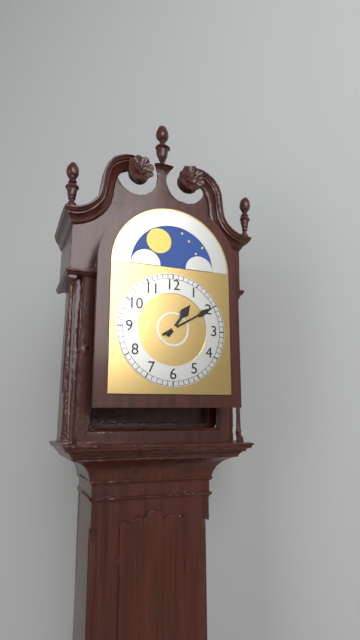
**1:10**
